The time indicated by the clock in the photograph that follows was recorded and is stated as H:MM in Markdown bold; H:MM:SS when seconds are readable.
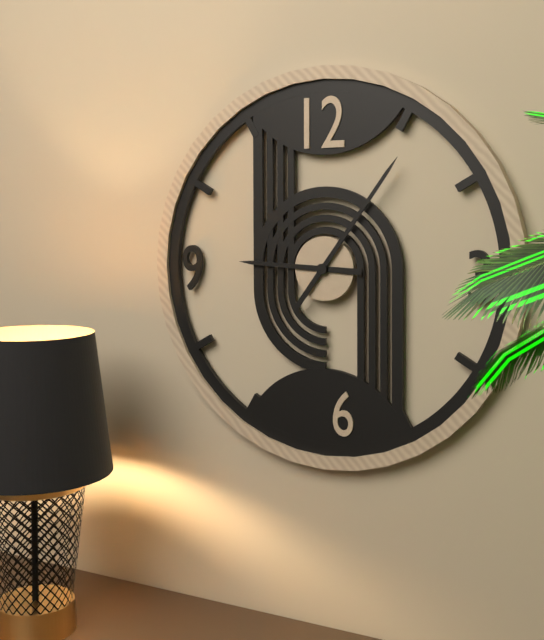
**9:06**
